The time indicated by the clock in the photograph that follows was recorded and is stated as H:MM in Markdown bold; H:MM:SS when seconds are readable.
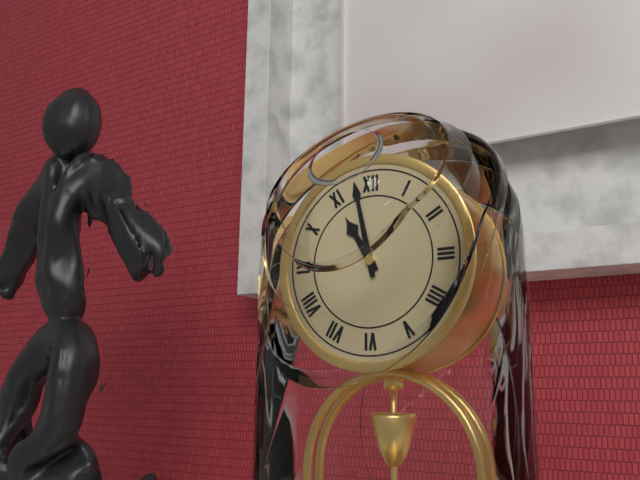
**10:58**
